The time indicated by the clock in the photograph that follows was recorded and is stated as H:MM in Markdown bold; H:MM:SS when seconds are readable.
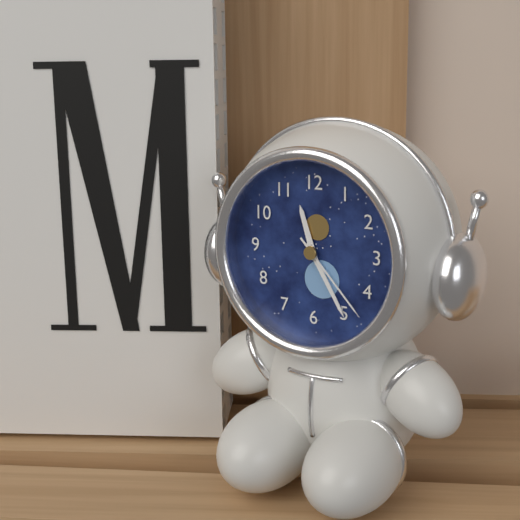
**11:25:23**
